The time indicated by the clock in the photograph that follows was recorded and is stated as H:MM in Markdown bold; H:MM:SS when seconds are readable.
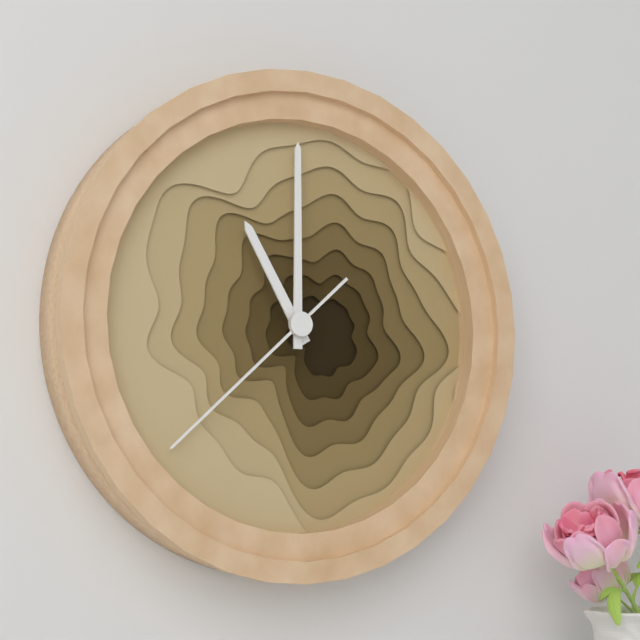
**11:00:38**
